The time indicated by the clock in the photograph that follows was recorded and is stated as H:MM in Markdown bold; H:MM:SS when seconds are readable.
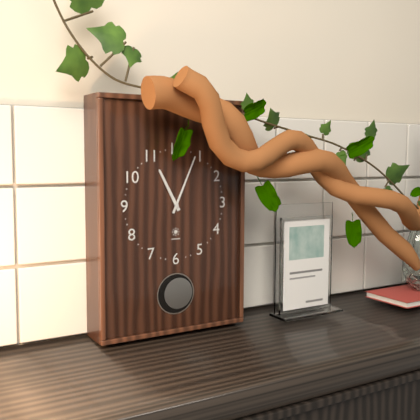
**11:04**
